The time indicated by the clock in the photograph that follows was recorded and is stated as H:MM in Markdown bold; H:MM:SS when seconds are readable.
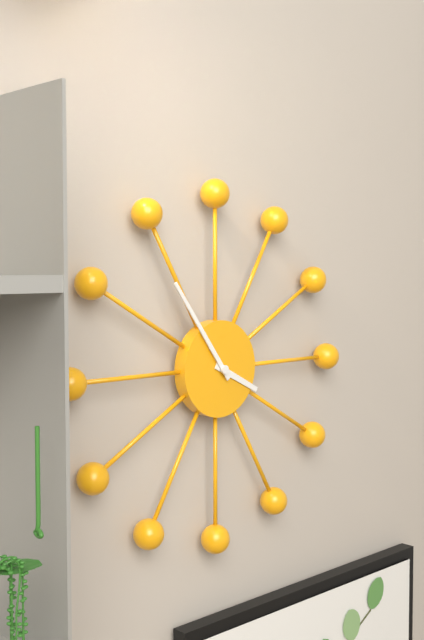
**3:54**
